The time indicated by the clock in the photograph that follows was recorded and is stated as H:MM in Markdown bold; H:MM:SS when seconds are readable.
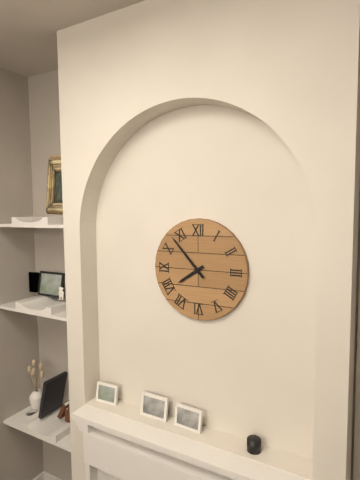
**7:53**
